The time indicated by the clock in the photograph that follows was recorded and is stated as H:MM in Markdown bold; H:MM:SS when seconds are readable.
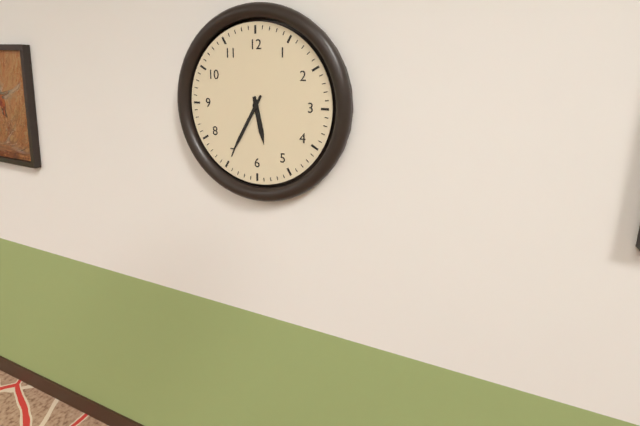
**5:35**
